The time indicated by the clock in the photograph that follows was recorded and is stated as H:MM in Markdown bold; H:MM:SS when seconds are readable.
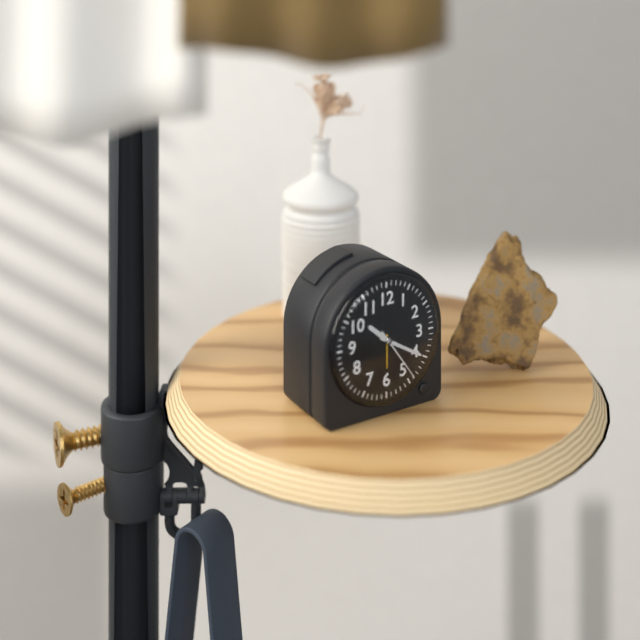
**10:20:24**
